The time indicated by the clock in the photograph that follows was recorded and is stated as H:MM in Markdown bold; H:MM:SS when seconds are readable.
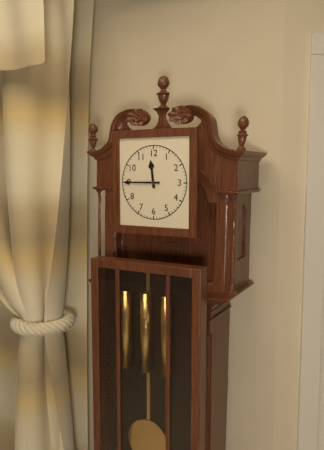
**11:45**
